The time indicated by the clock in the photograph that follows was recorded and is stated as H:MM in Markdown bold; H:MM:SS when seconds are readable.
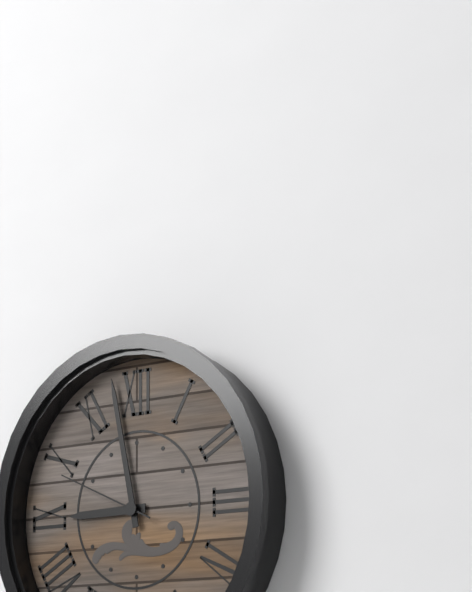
**8:58:49**
